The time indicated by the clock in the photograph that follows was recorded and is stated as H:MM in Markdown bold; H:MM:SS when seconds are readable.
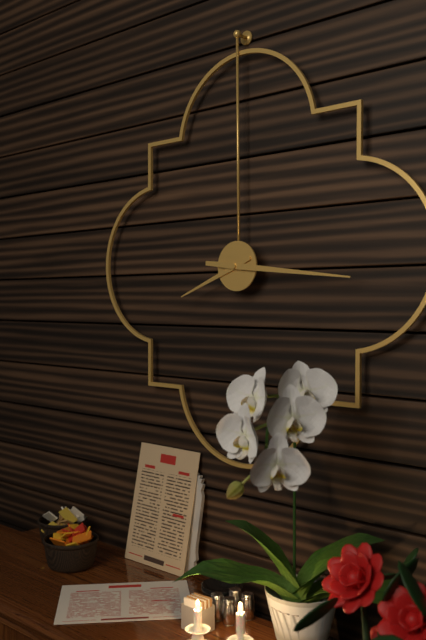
**8:16**
